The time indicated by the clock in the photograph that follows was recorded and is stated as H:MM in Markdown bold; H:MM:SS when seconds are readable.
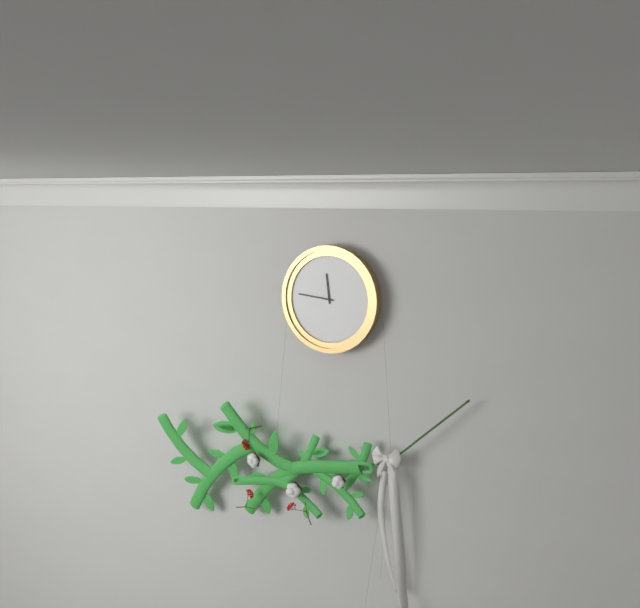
**11:46**
